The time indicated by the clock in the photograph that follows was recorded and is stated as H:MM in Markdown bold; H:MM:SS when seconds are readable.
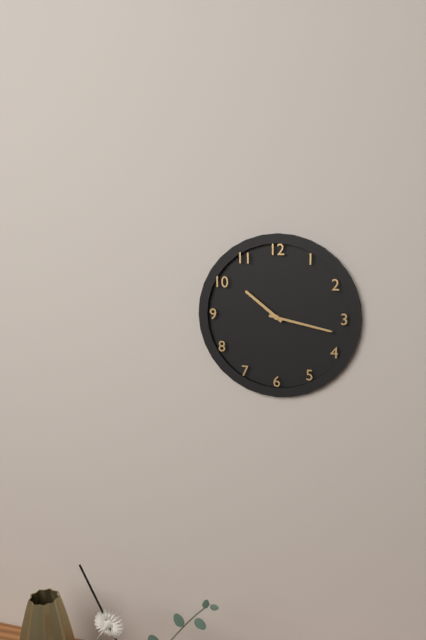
**10:17**
